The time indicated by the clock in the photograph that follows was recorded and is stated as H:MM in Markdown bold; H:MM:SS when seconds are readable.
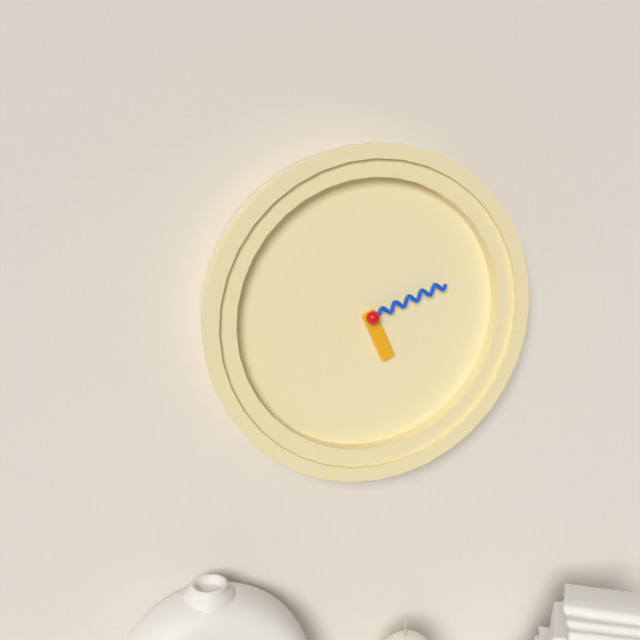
**5:12**
